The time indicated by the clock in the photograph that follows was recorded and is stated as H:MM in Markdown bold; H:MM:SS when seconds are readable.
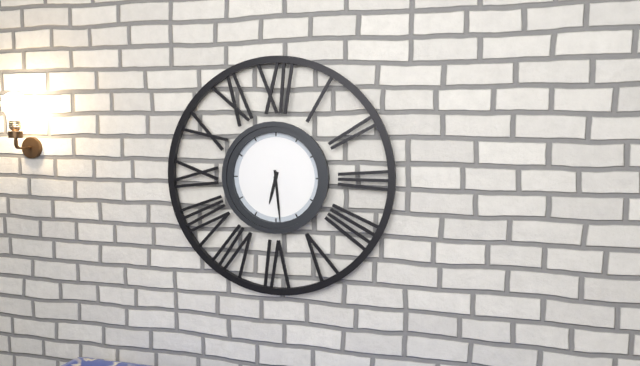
**6:29**
